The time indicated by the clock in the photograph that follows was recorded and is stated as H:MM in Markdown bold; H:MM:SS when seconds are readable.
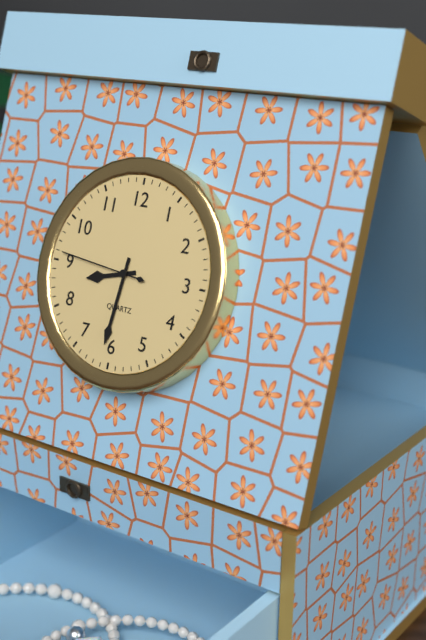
**8:31:46**
